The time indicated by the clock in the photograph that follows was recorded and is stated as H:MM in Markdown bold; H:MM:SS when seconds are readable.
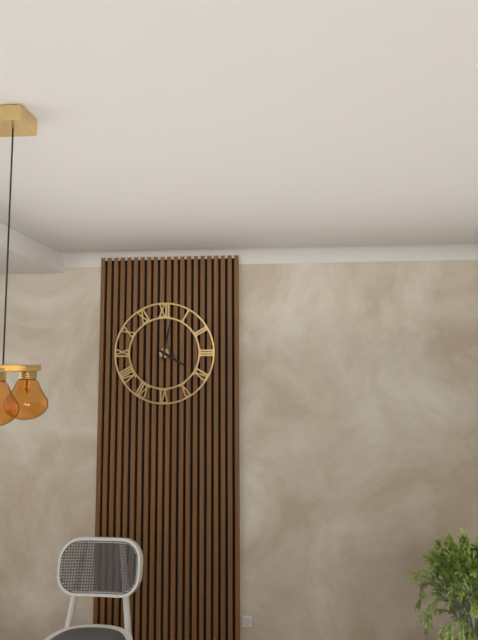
**4:02**
